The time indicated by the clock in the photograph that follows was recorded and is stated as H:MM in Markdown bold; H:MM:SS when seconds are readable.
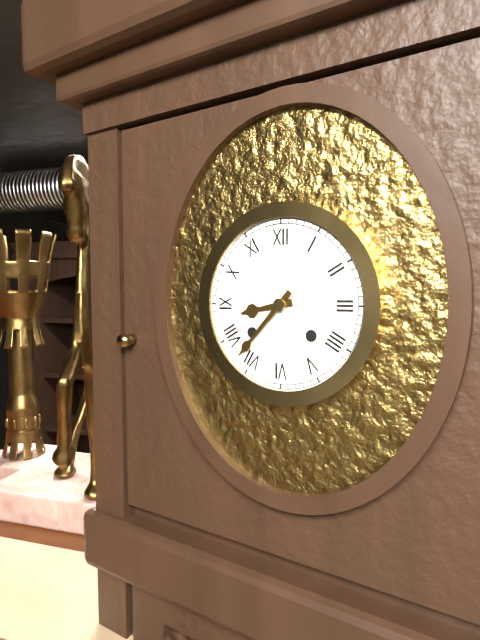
**8:37**
